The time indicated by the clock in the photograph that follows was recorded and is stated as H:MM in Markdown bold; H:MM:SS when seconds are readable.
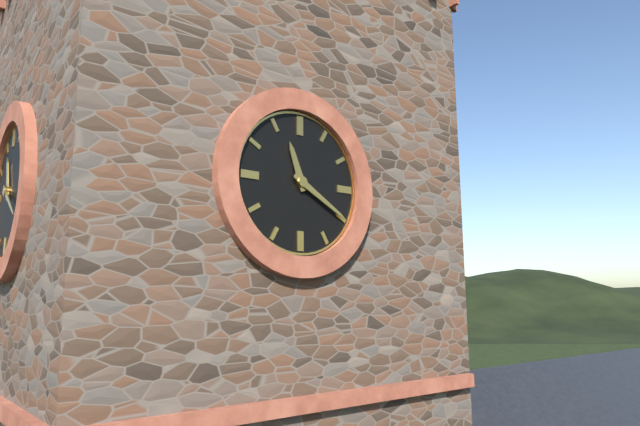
**11:20**
